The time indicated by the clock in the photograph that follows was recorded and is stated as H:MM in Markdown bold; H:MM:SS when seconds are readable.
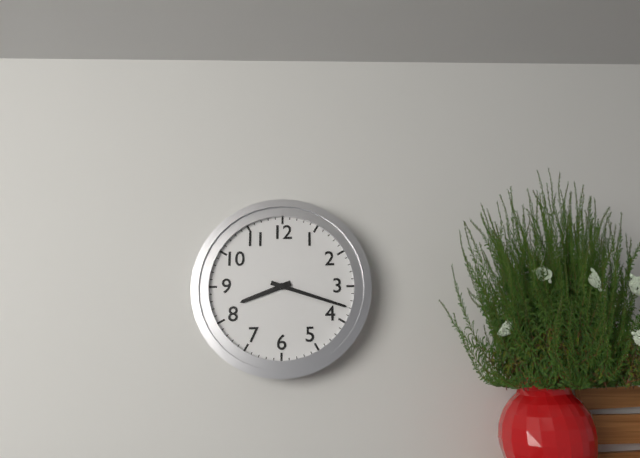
**8:18**
